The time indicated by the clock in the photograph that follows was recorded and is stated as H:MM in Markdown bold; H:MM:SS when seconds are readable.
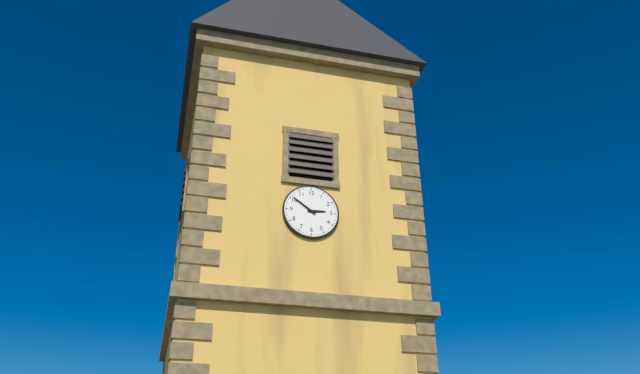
**2:51**
